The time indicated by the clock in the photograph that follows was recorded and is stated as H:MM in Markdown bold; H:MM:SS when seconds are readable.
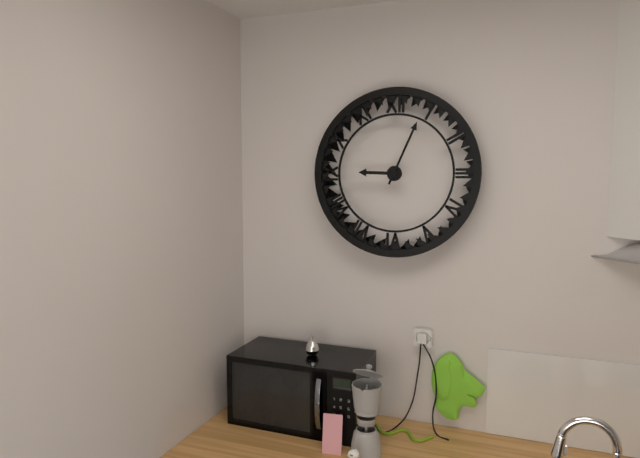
**9:04**
